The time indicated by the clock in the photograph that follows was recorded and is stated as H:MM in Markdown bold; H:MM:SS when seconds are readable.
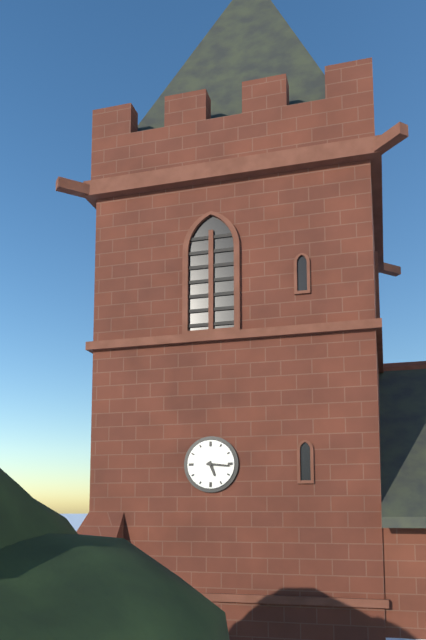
**5:16**
